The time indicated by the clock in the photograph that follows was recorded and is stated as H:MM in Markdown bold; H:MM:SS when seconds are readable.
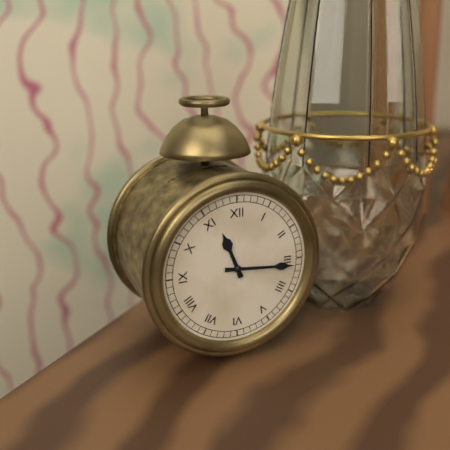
**11:16**
